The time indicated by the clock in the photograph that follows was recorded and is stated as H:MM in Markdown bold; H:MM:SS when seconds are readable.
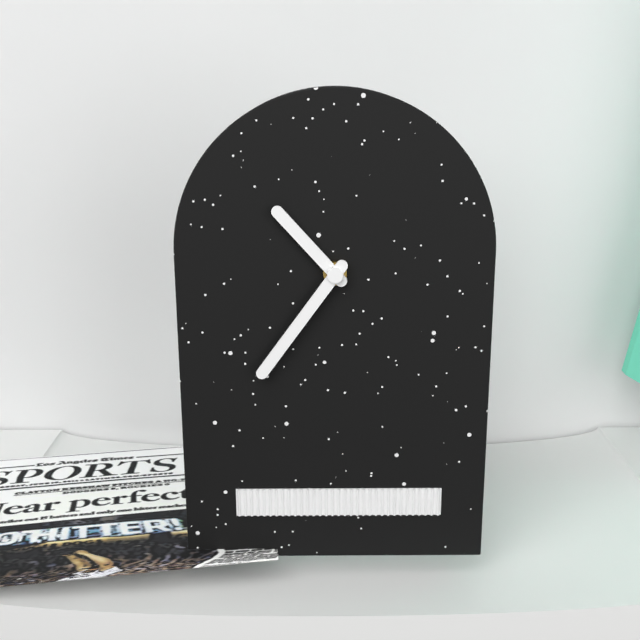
**10:36**
